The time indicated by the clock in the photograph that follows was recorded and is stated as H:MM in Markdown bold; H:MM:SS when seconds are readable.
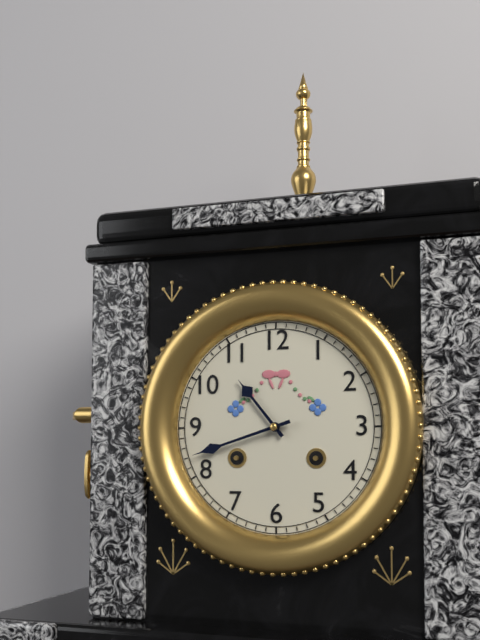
**10:42**
